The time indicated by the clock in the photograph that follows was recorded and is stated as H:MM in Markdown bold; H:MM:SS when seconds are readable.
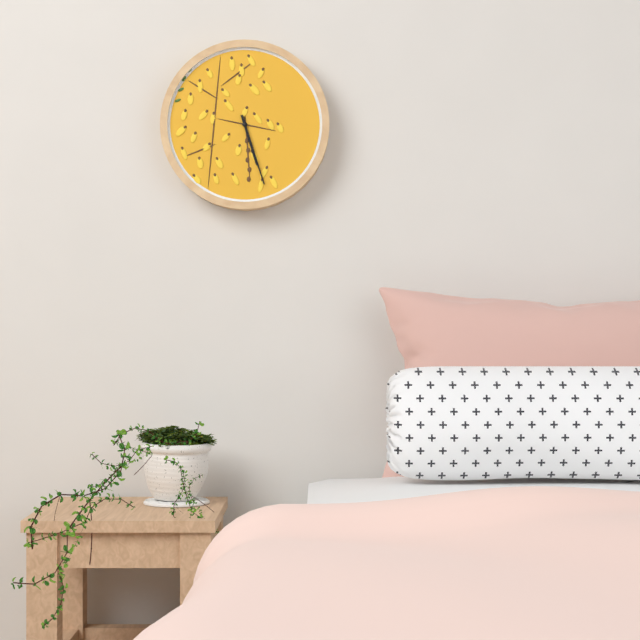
**5:27**
